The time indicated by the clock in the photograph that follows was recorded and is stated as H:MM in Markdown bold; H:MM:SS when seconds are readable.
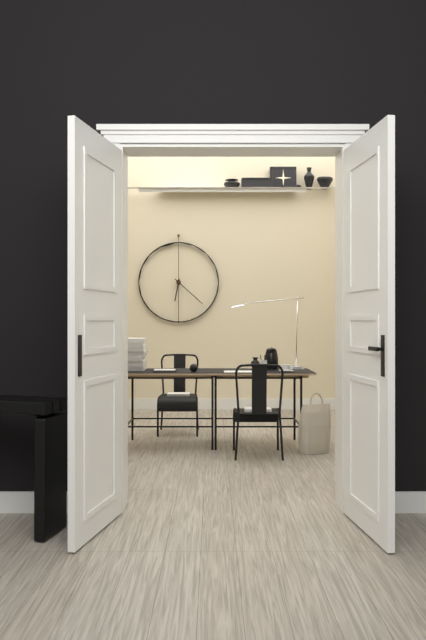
**6:22**
